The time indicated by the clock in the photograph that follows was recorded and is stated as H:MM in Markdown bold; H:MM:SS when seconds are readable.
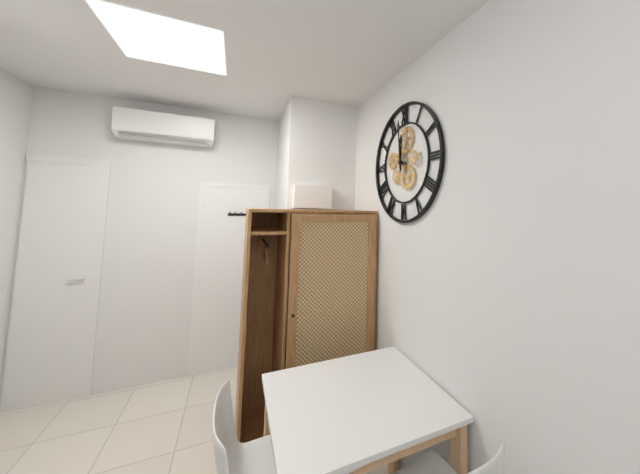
**11:59**
